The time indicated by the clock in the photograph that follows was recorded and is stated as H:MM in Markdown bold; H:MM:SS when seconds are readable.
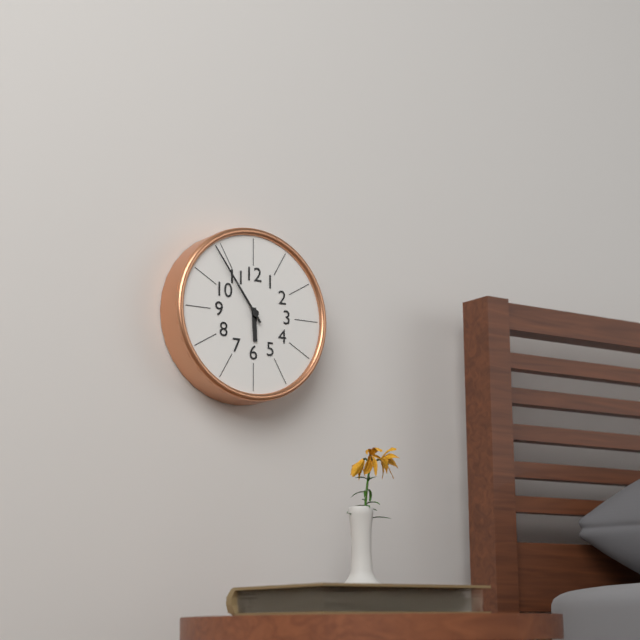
**5:54**
